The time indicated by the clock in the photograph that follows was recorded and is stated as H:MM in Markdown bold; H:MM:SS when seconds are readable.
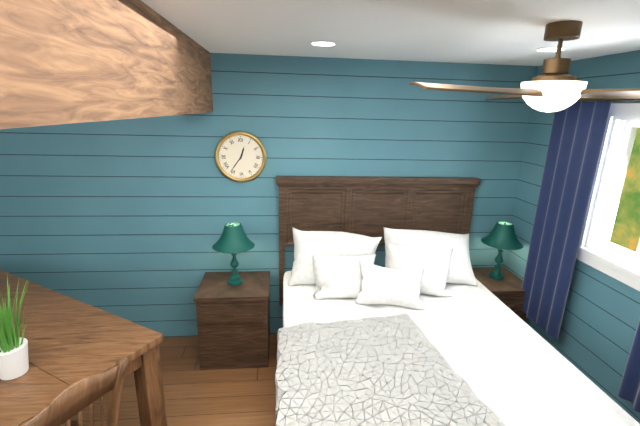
**12:36**
